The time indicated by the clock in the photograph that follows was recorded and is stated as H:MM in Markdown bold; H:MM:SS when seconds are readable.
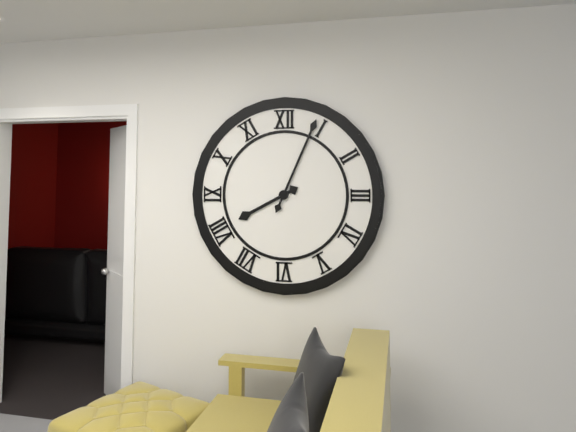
**8:04**
